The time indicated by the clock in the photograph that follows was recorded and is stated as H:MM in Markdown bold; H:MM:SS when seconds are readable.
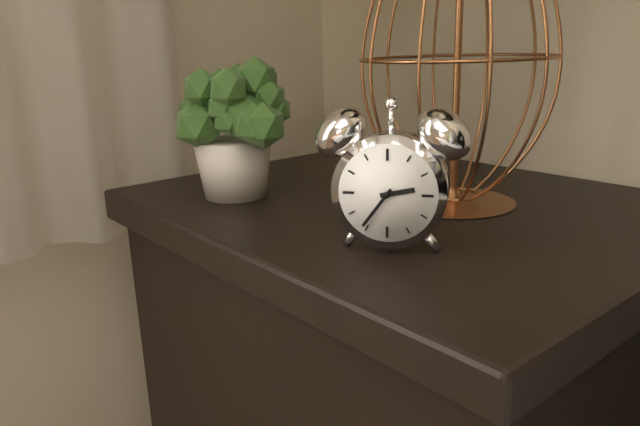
**2:36**
